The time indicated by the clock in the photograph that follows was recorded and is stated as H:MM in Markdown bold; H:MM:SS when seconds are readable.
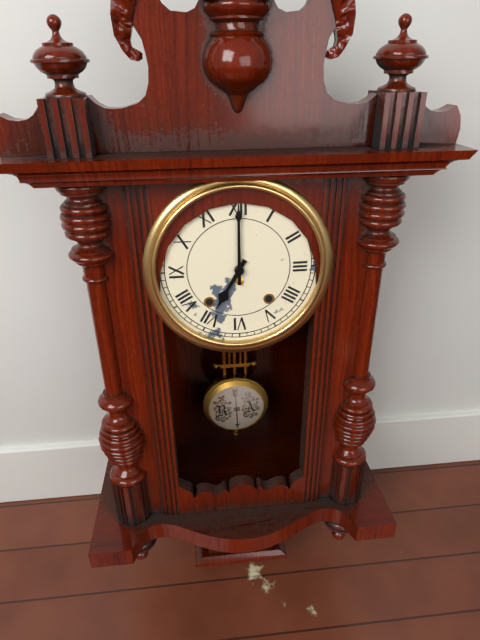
**7:00**
